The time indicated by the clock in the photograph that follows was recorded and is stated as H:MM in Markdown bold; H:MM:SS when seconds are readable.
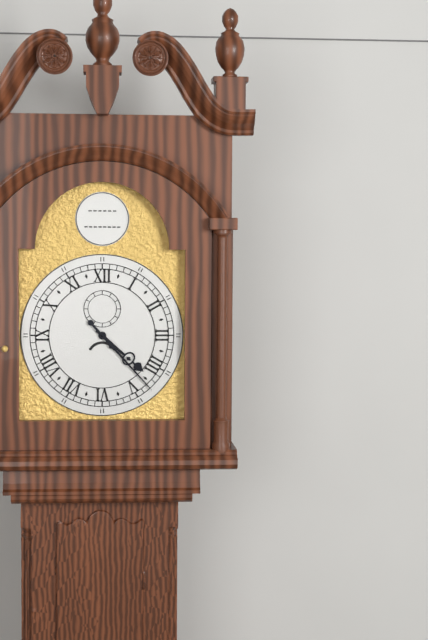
**4:23**
